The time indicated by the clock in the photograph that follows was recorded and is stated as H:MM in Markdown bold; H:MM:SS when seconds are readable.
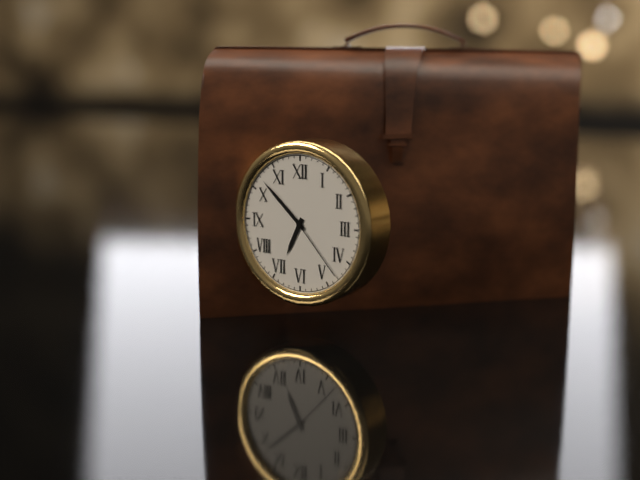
**6:52:23**
